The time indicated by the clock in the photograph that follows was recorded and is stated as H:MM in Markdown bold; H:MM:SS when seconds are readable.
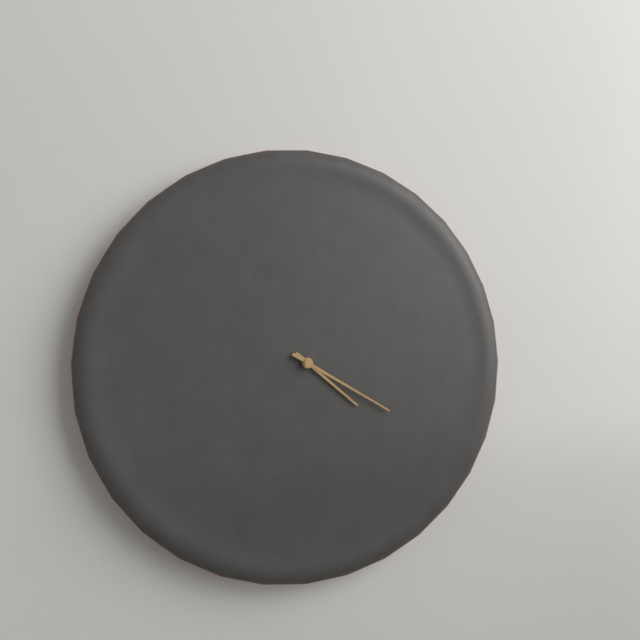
**4:20**
